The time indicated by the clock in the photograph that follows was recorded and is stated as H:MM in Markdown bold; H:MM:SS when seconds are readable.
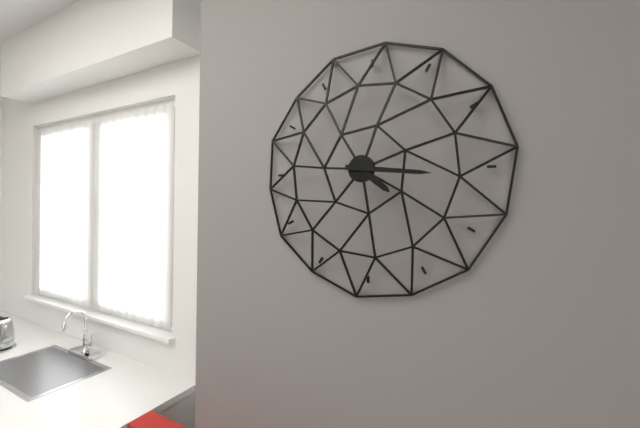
**4:16**
